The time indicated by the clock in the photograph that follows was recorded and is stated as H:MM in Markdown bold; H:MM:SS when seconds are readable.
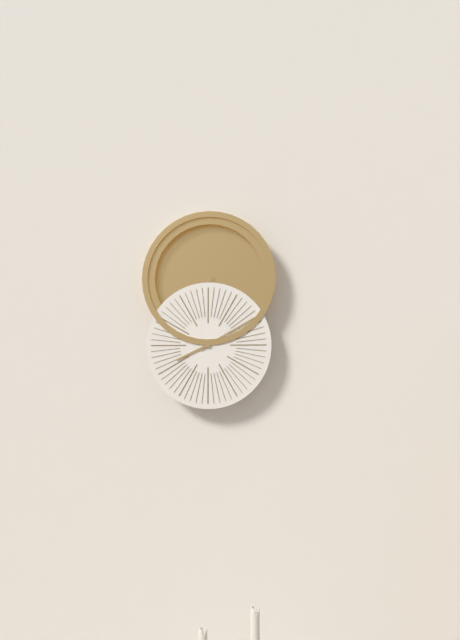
**8:10**
